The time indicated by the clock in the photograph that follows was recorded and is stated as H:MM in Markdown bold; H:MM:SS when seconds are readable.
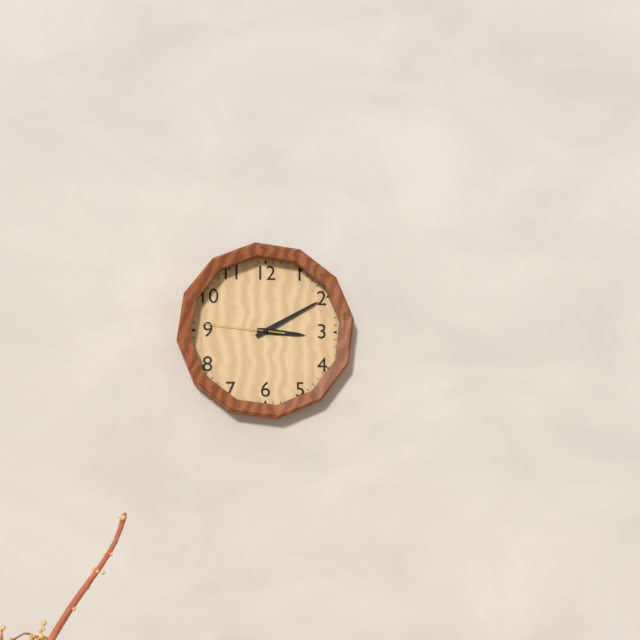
**3:10:46**
